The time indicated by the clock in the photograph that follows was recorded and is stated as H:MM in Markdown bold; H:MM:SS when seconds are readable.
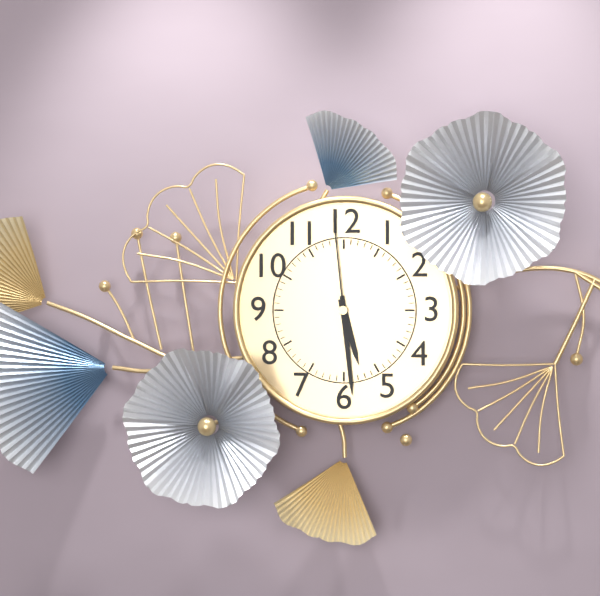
**5:29:59**
